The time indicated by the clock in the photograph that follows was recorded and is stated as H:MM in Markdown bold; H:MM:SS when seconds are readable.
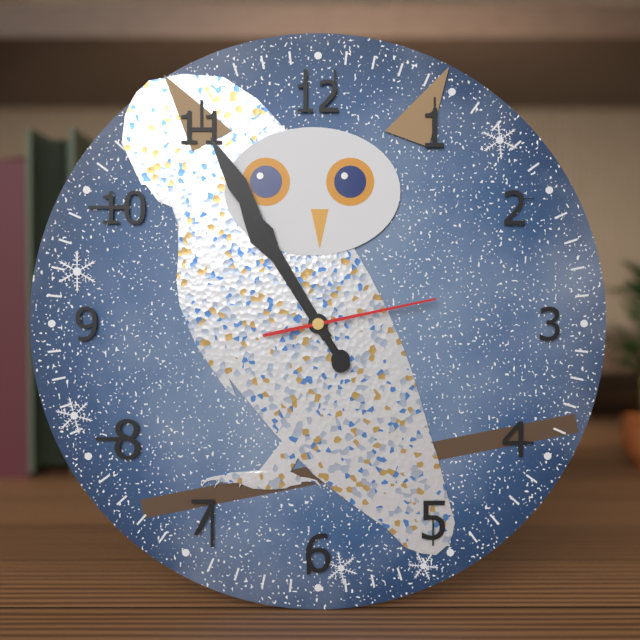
**10:55:13**
